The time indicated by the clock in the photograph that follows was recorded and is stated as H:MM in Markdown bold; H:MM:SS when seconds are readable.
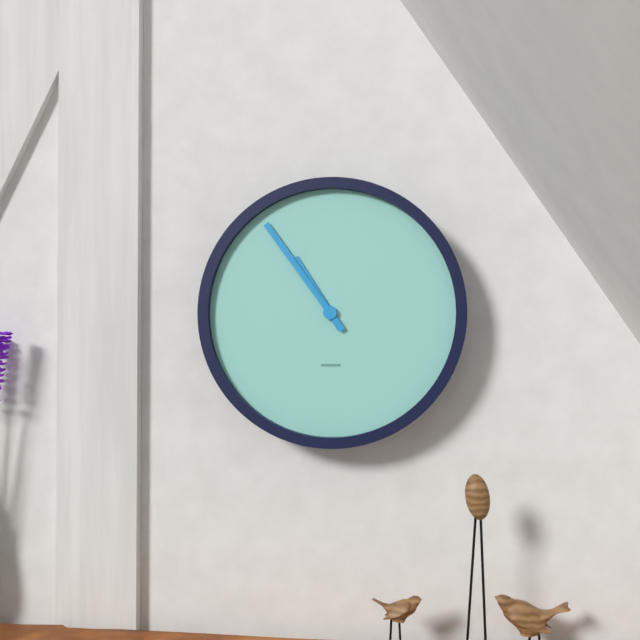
**10:54**
